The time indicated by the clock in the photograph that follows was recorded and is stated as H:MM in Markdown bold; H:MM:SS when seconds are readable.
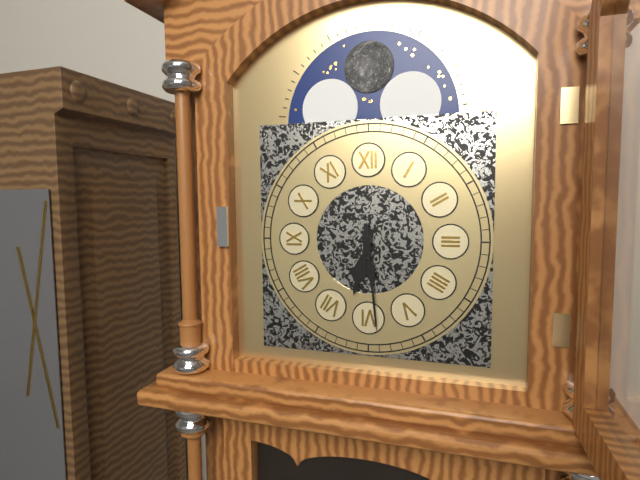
**6:29**
